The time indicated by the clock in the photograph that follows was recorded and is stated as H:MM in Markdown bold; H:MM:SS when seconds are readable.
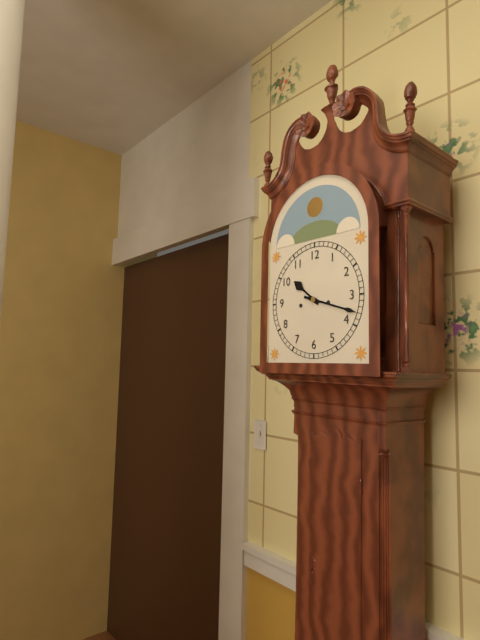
**10:18**
